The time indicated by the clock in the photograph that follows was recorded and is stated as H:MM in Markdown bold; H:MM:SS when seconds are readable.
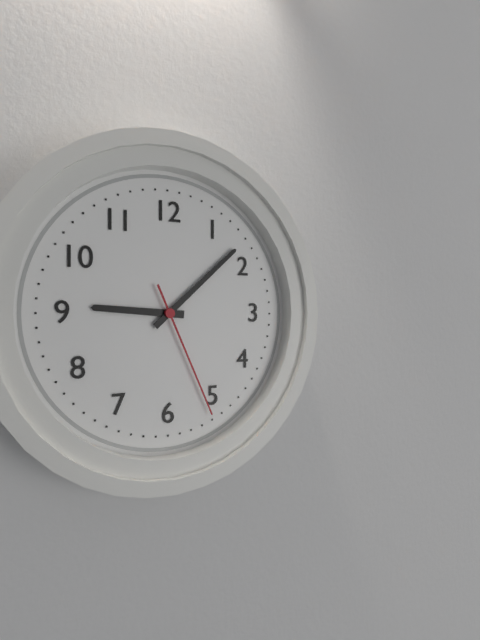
**9:08:26**
